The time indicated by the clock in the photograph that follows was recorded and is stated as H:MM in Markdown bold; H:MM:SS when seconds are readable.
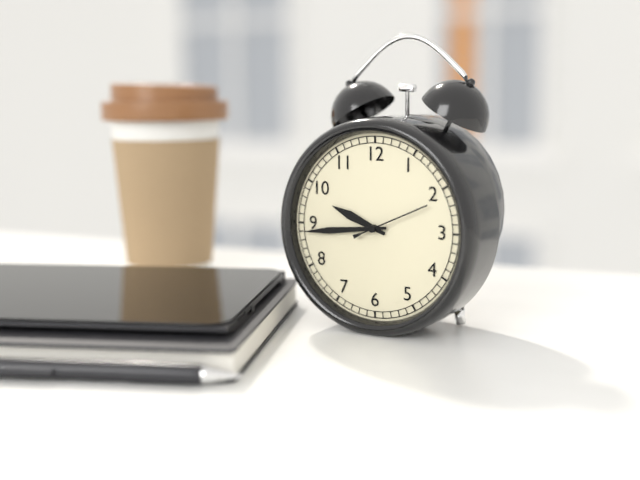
**9:44:11**
